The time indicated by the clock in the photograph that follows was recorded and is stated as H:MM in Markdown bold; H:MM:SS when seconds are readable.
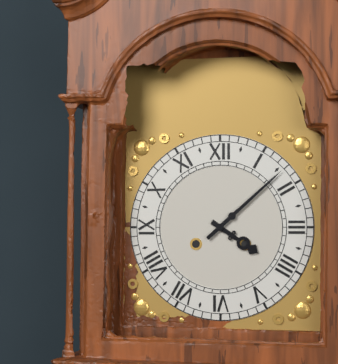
**4:08**
